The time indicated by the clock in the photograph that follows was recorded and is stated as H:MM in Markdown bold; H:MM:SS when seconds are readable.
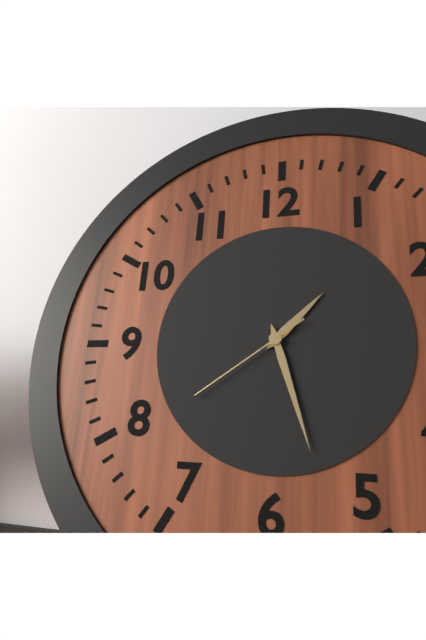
**1:27:39**
